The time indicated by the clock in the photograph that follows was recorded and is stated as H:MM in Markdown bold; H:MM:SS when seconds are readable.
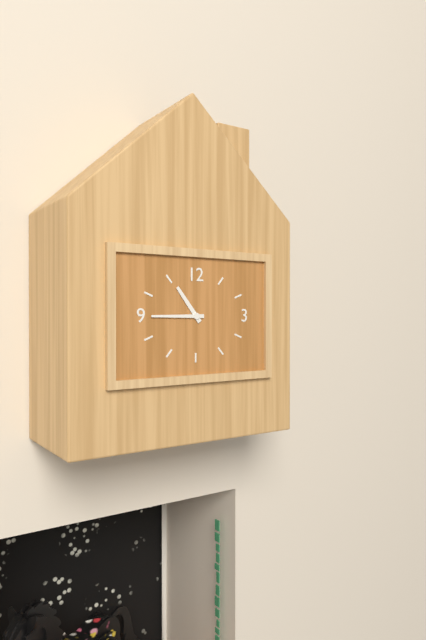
**10:45**
